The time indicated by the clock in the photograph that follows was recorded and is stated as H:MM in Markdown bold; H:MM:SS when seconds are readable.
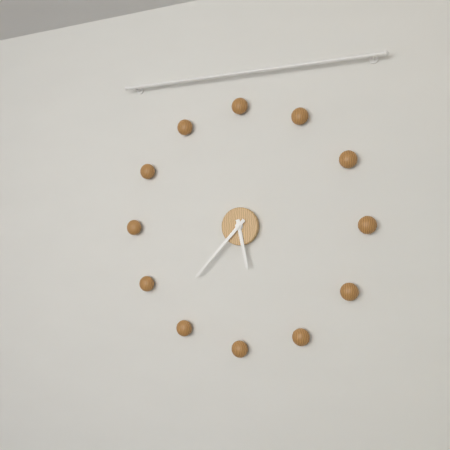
**5:37**
